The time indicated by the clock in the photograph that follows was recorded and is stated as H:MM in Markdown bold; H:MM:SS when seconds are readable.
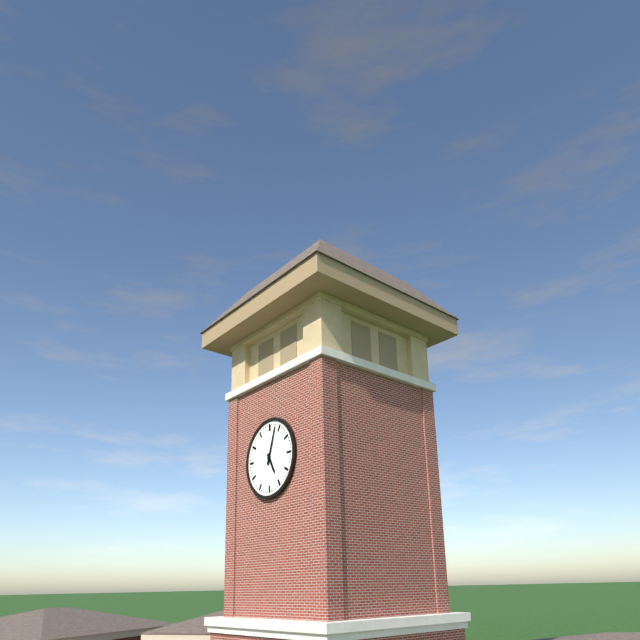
**5:03**
